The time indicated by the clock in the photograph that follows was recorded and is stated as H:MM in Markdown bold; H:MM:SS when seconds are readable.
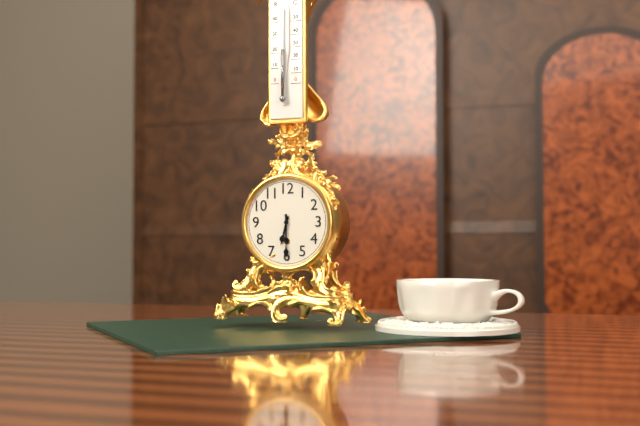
**6:30**
